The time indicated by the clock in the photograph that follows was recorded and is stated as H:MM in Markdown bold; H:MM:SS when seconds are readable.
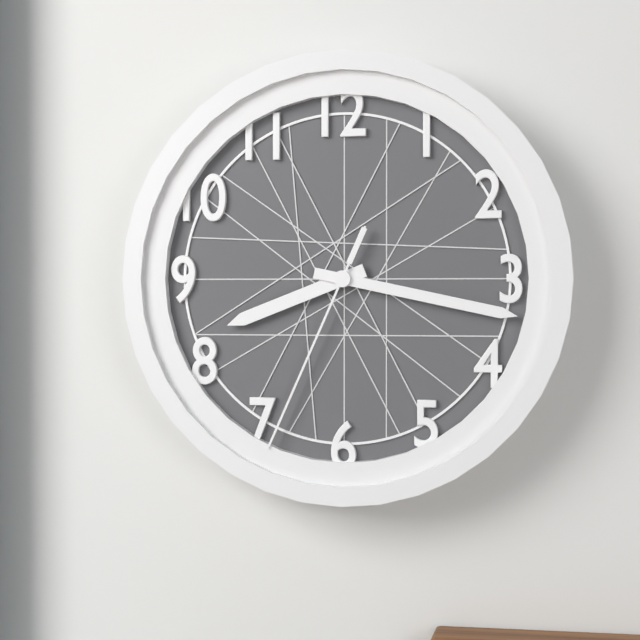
**8:17:34**
